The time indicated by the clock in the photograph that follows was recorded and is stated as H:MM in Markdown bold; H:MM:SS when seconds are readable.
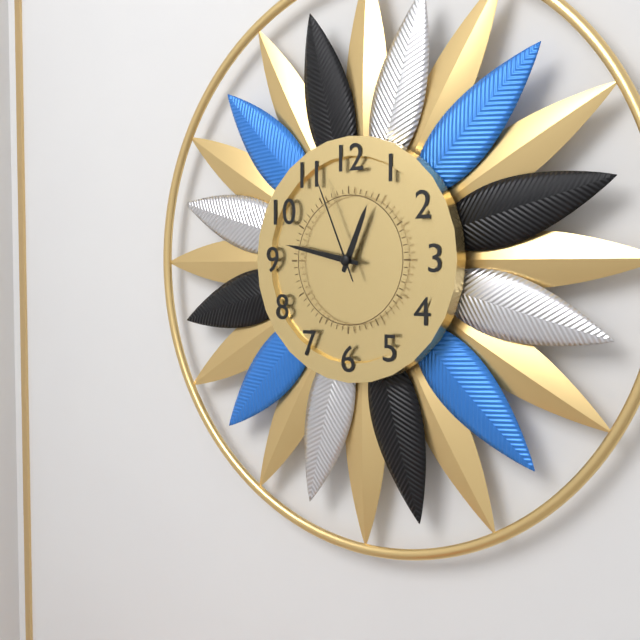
**12:47:56**
